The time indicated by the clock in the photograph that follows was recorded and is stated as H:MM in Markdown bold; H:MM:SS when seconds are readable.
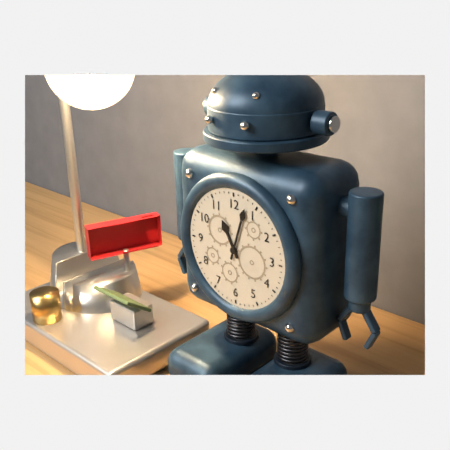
**11:03**
